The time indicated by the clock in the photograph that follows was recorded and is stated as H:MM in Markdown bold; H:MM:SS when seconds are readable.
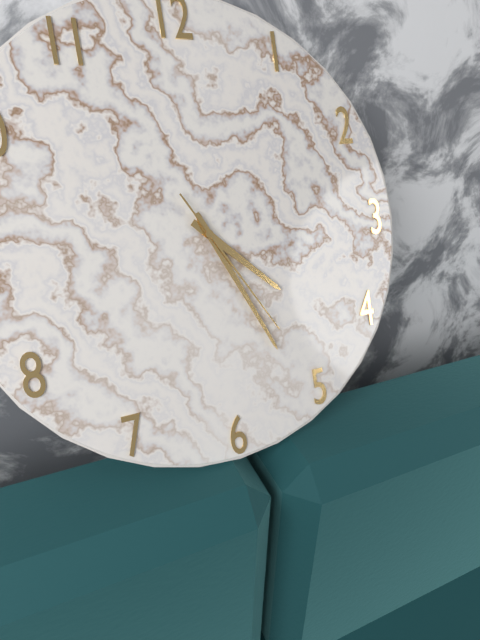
**4:26:25**
